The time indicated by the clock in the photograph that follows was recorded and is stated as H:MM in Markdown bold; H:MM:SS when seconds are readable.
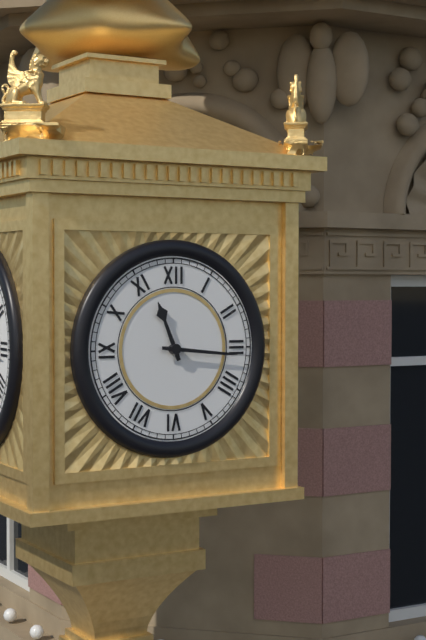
**11:16**
